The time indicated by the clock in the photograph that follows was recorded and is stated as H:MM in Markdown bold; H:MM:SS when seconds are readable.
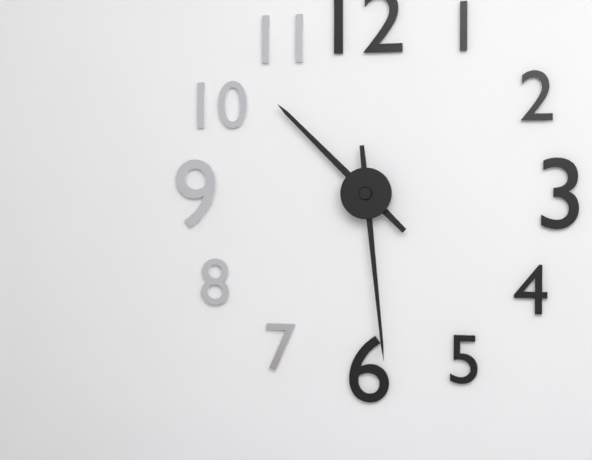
**10:29**
